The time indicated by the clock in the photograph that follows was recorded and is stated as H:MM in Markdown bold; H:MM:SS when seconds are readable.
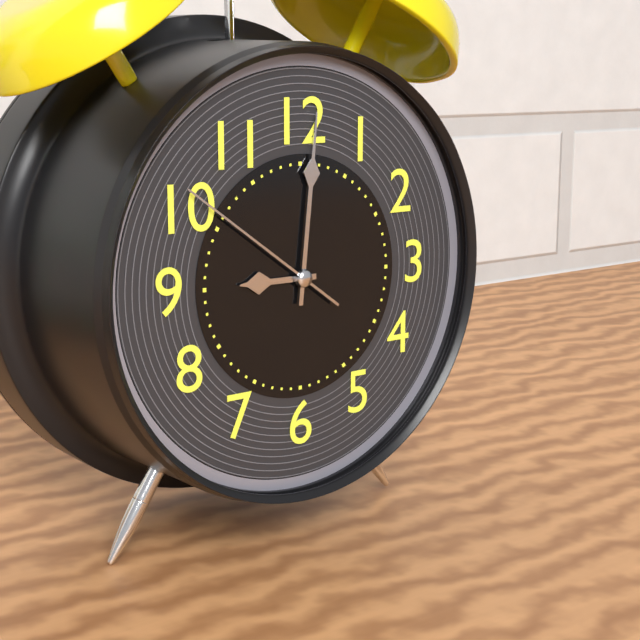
**9:01:51**
